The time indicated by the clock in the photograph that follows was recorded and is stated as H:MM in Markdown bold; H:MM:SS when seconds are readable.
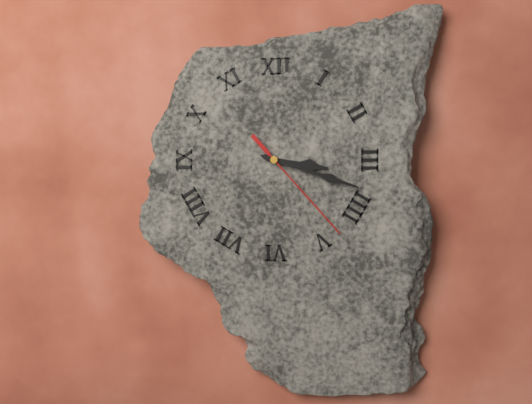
**3:18:23**
